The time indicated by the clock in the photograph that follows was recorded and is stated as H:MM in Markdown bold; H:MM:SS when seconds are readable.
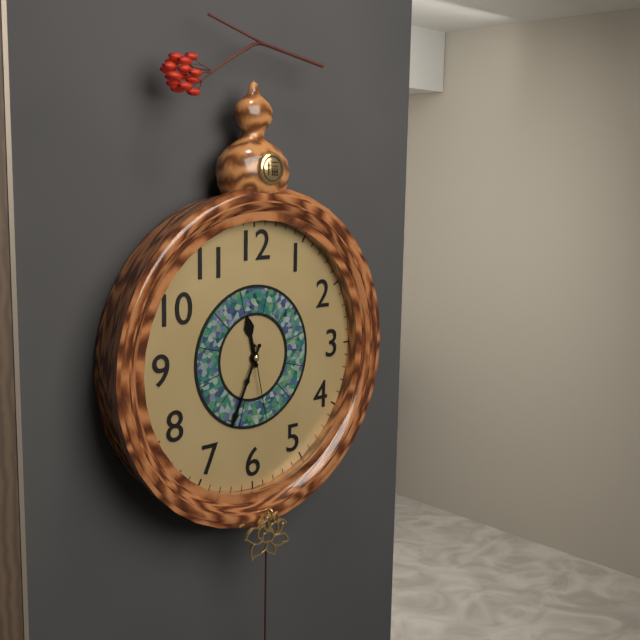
**11:34:28**
